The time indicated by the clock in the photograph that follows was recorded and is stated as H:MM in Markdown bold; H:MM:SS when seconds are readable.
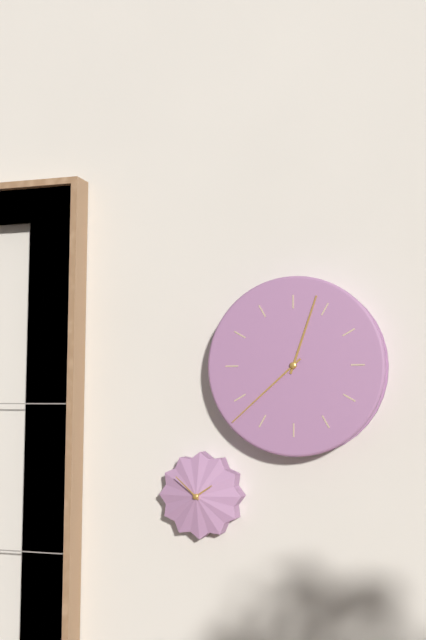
**12:38**
